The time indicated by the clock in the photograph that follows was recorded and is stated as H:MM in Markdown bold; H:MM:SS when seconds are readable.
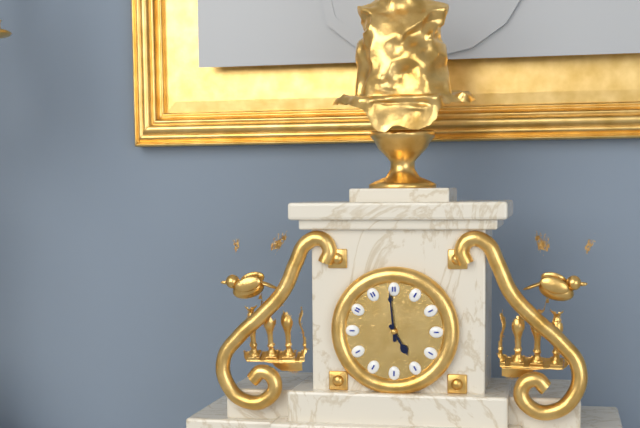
**4:59**
